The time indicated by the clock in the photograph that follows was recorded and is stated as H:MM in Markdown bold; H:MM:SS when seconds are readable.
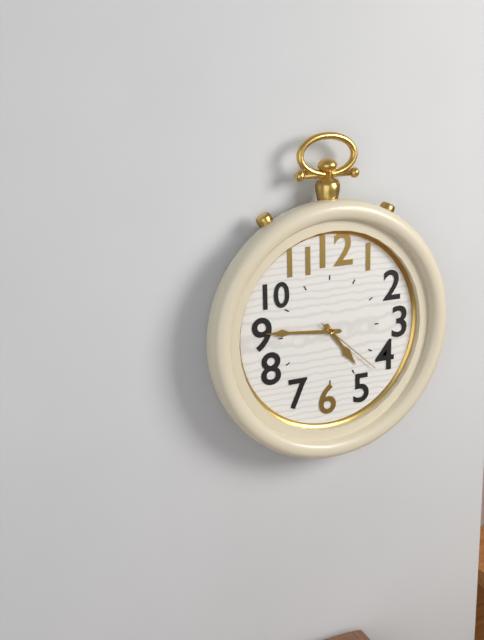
**4:46:22**
